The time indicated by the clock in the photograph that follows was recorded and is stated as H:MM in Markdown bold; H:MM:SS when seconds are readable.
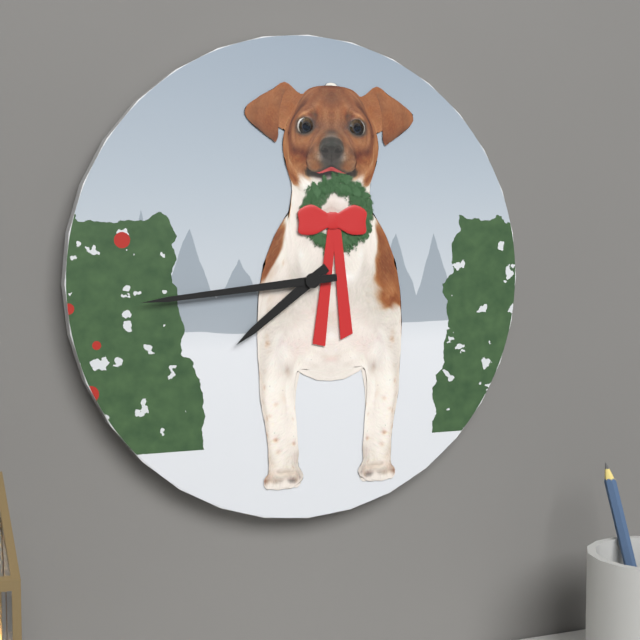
**7:44**
